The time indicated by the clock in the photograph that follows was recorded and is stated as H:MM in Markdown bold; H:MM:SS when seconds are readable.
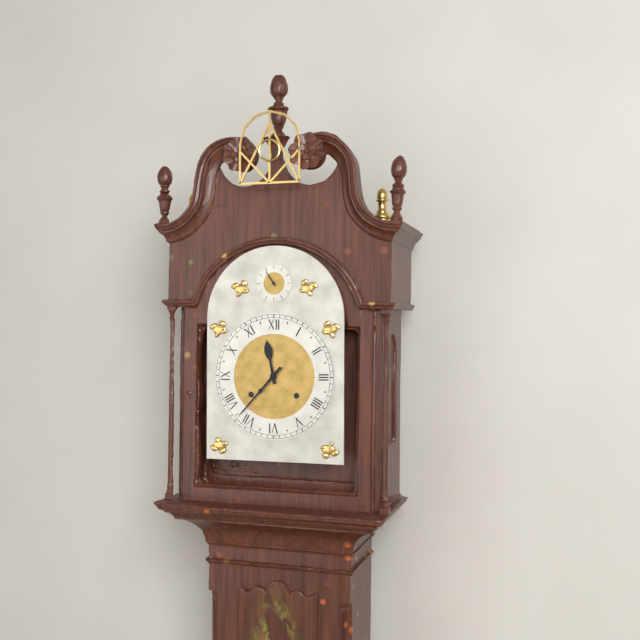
**11:37**
